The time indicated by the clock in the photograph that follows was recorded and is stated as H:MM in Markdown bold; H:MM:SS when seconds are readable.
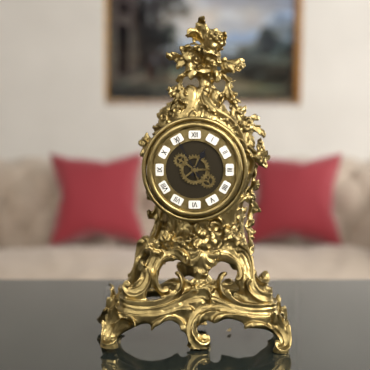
**12:55**
